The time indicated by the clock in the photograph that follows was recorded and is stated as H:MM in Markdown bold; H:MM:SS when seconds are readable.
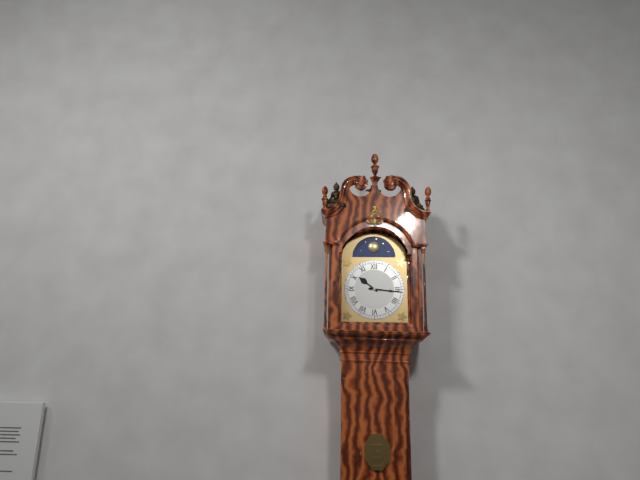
**10:16**
